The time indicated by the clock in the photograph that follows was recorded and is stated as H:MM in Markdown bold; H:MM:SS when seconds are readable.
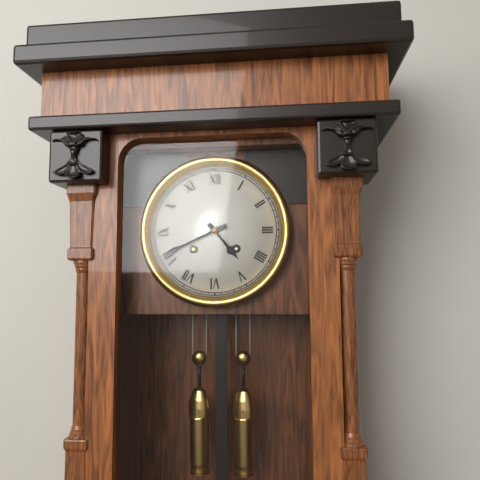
**4:41**
